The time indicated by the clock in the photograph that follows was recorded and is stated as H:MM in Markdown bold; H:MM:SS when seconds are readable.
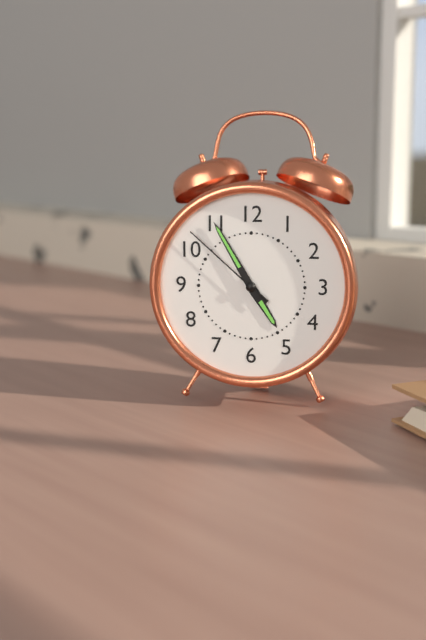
**4:55:52**
